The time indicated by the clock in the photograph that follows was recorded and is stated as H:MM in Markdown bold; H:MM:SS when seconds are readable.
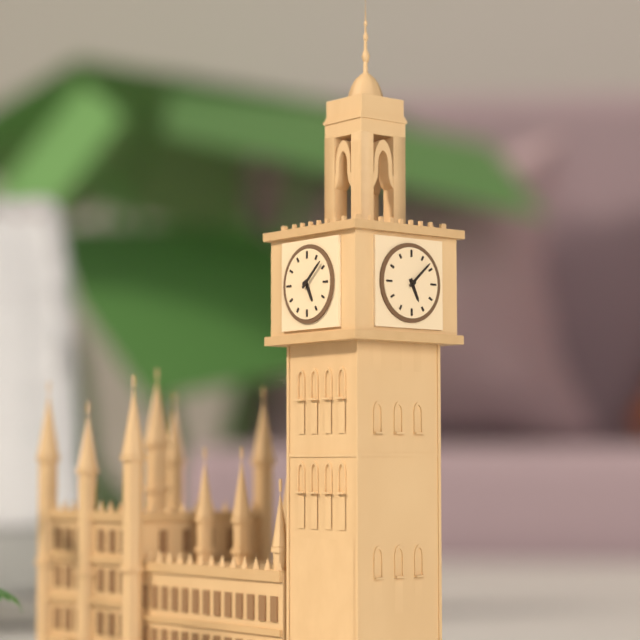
**5:08**
